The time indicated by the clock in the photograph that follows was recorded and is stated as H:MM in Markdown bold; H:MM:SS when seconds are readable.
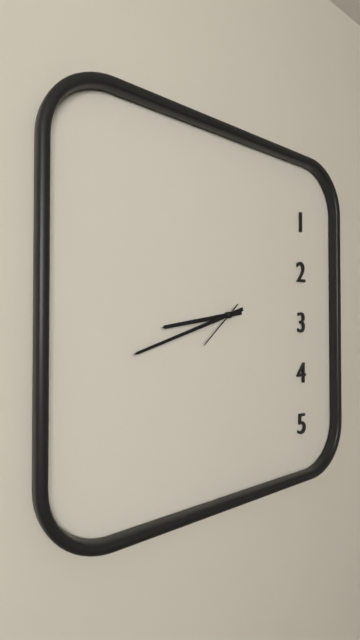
**8:42**
